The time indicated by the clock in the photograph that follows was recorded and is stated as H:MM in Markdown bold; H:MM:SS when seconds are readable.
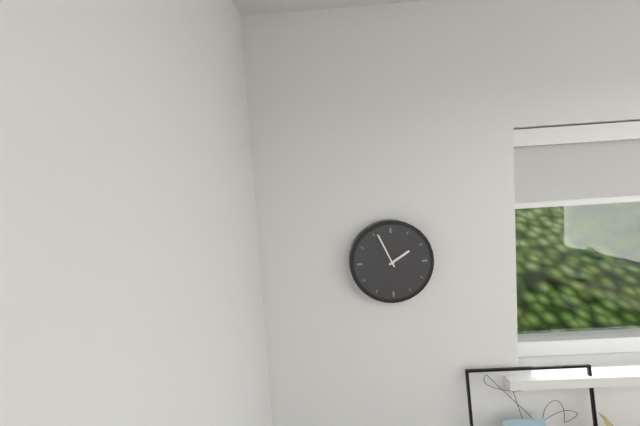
**1:56**
